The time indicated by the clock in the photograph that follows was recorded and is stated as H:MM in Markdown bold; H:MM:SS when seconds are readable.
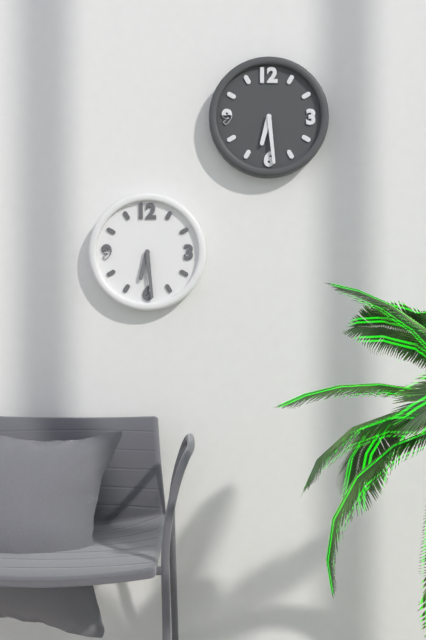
**6:29**
